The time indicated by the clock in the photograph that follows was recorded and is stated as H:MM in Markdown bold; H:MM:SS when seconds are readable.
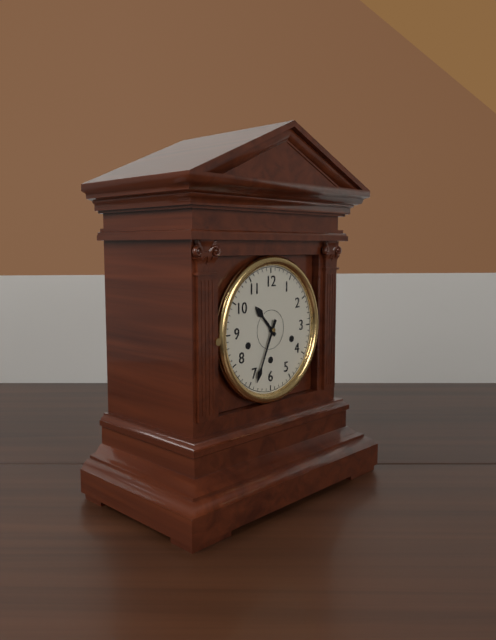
**10:34**
